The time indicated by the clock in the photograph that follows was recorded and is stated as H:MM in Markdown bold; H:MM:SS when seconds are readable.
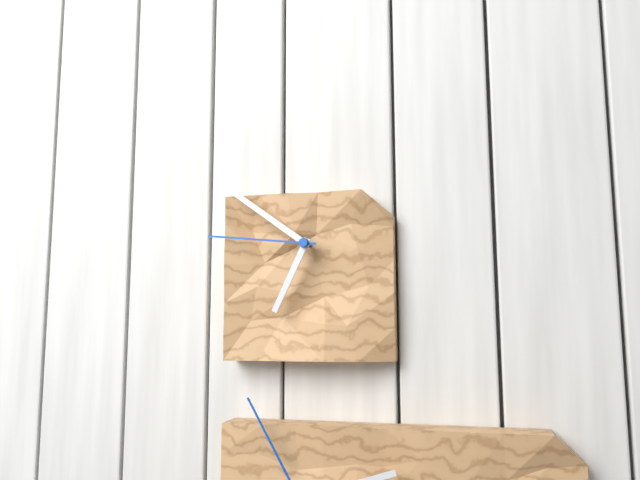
**6:51:46**
